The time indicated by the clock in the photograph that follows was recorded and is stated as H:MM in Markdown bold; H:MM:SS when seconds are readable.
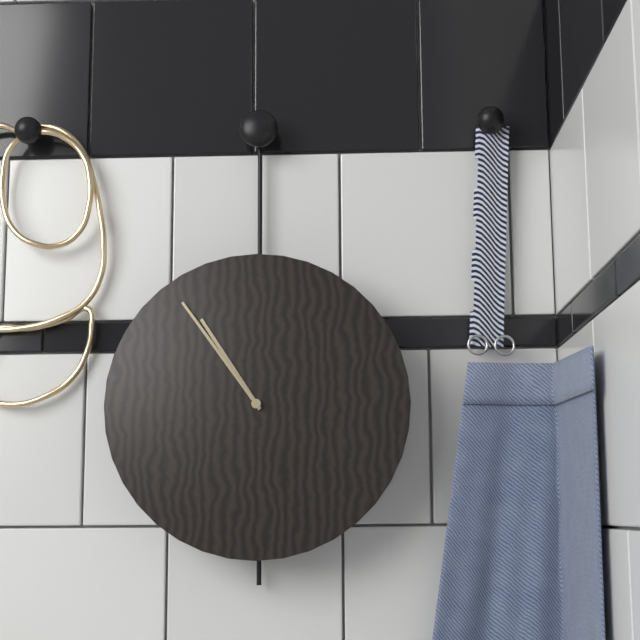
**10:54**
